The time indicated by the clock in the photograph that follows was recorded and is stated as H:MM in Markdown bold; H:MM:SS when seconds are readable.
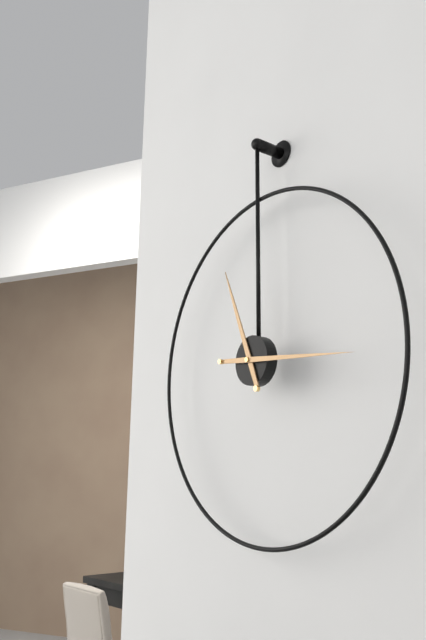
**11:16**
